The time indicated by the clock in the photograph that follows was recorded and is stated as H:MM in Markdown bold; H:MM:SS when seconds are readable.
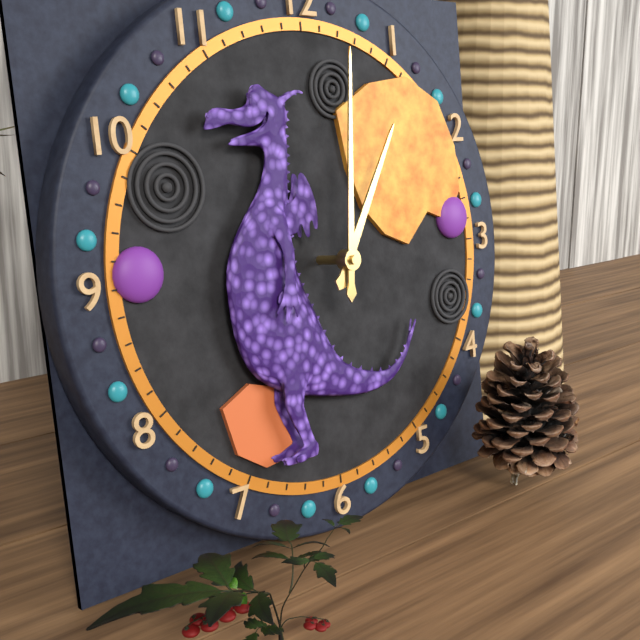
**1:01**
